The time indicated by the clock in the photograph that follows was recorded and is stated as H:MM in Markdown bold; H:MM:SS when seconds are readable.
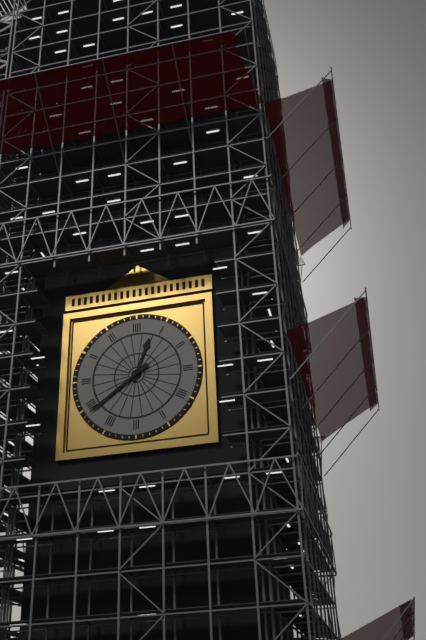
**12:39**
